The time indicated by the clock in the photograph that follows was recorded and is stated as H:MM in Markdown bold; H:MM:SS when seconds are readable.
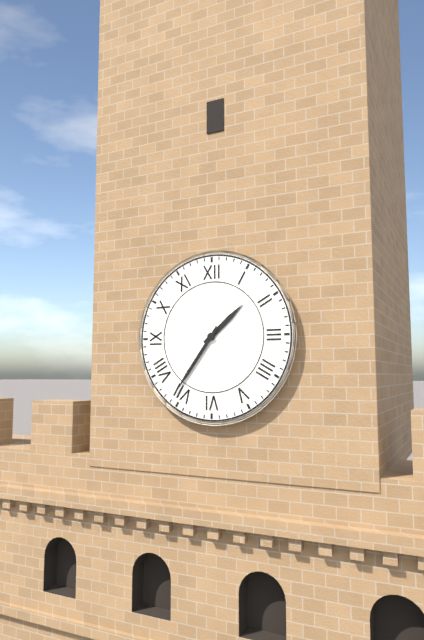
**1:36**
